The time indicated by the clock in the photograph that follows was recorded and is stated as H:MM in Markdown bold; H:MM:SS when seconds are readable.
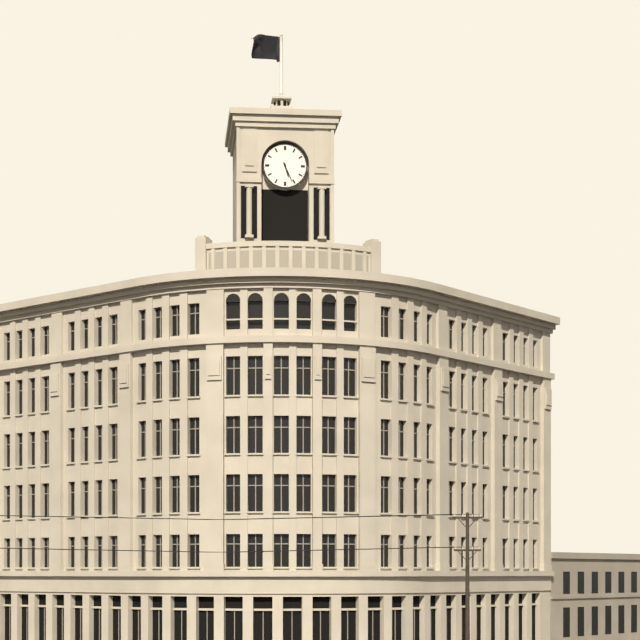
**5:26**
